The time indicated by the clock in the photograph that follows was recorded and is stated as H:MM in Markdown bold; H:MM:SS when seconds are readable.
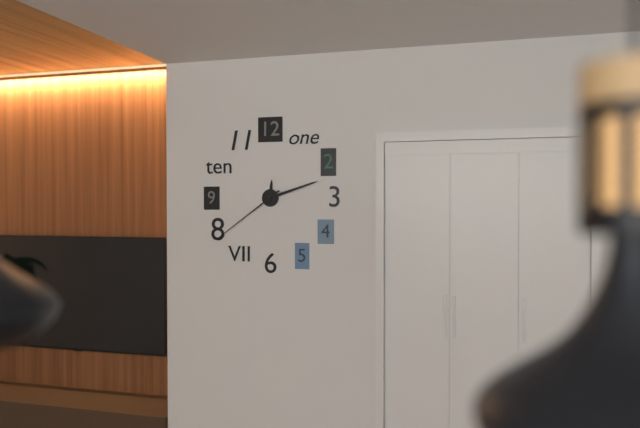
**12:12:39**
